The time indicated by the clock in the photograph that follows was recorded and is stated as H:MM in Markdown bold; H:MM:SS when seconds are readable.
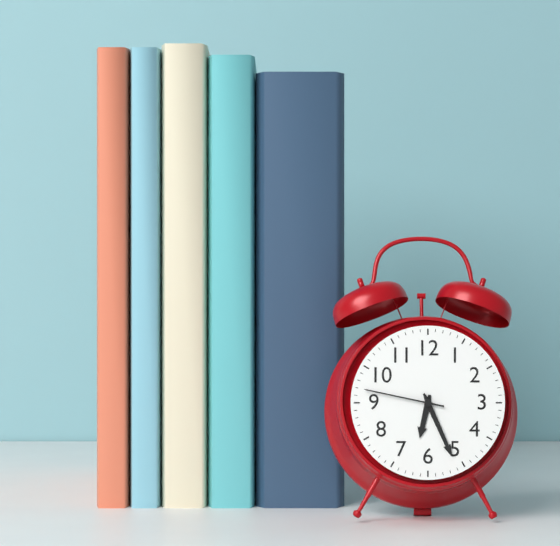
**6:26:47**
